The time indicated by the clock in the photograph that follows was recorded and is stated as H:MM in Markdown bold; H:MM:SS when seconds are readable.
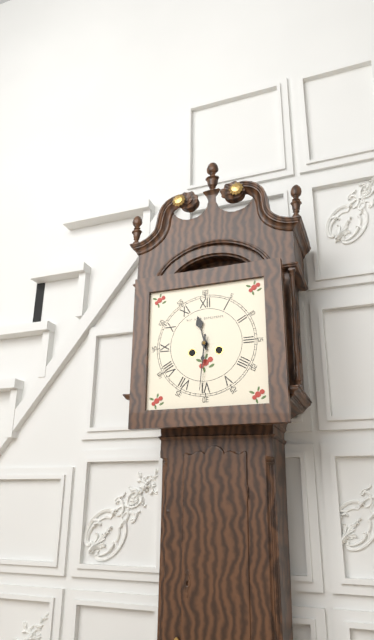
**11:31**
